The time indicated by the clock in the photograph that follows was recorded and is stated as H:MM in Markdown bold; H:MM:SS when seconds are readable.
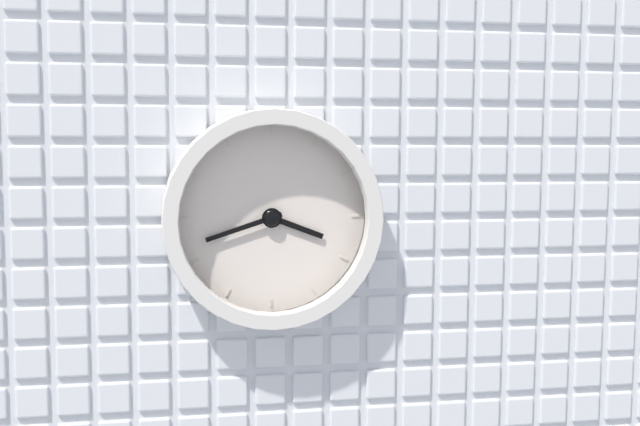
**3:42**
